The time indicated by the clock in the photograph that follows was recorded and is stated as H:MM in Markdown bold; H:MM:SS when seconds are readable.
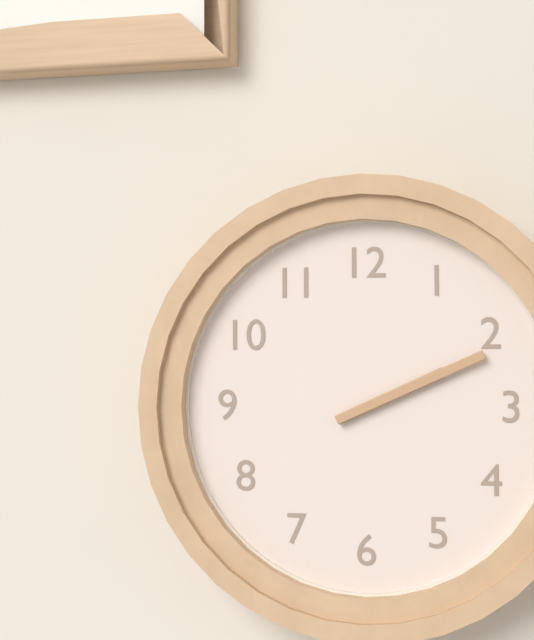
**2:11**
